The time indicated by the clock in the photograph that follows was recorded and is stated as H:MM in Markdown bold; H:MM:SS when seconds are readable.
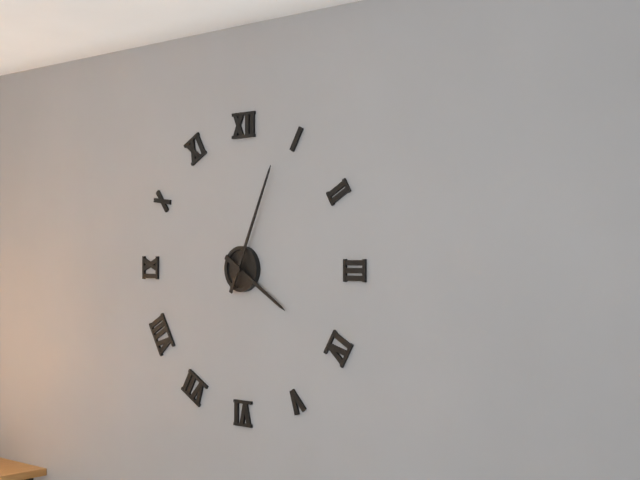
**4:04**
